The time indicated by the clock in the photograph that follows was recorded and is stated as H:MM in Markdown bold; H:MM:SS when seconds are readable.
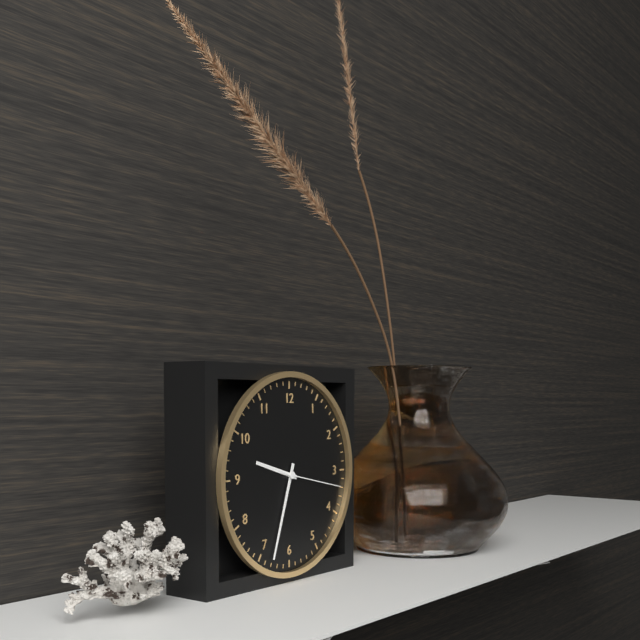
**9:33:17**
